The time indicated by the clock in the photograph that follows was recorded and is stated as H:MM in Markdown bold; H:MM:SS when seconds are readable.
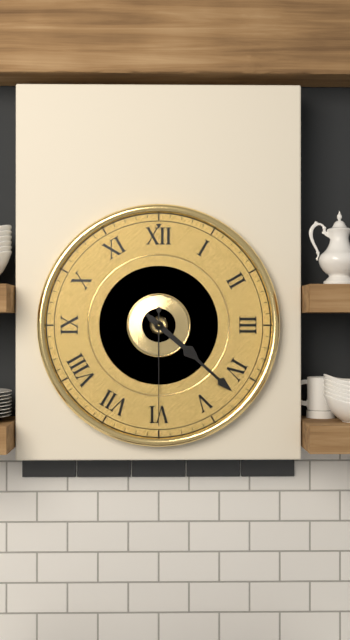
**4:22:30**
